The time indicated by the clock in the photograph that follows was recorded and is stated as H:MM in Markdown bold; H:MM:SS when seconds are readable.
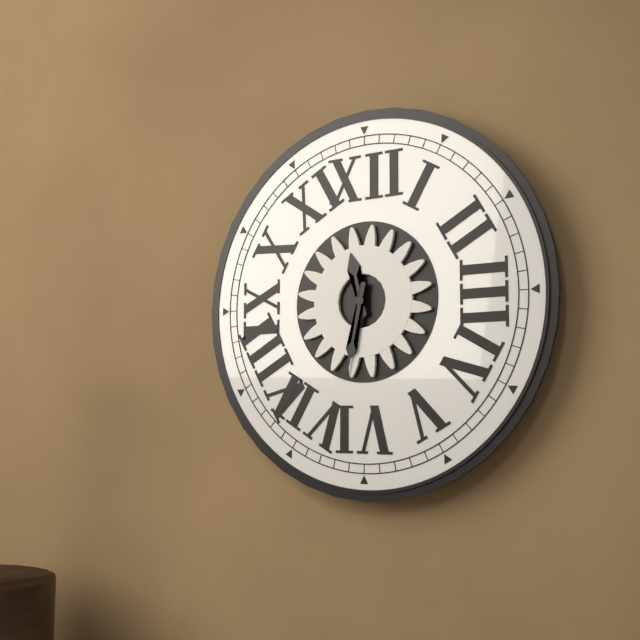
**11:32**
